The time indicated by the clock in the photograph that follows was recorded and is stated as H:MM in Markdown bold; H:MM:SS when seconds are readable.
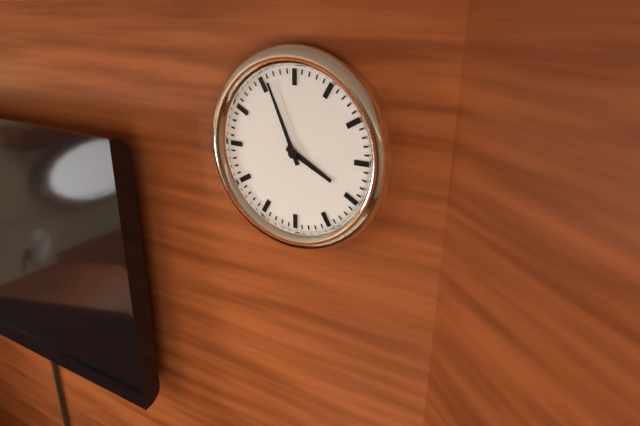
**3:56**
